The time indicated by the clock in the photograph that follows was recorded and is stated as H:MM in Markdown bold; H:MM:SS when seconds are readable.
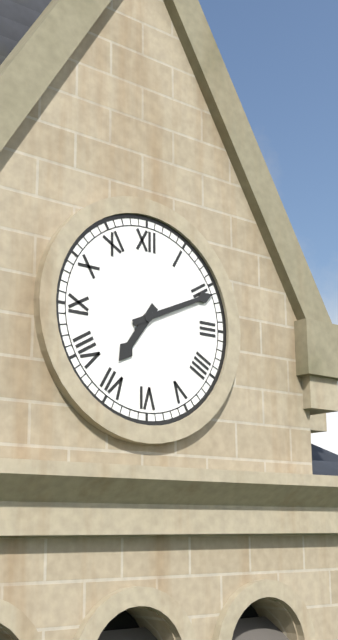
**7:11**
